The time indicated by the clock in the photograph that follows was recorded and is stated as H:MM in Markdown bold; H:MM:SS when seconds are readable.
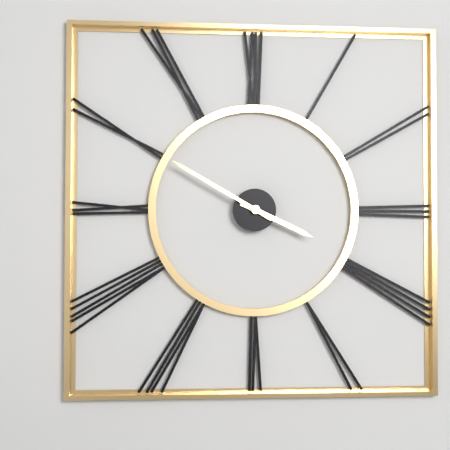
**3:50**
